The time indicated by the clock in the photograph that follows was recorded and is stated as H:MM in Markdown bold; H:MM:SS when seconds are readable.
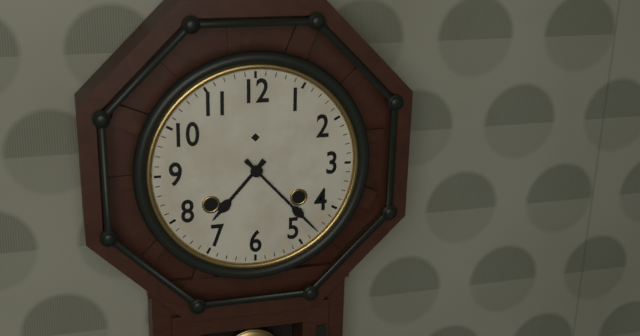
**7:23**
